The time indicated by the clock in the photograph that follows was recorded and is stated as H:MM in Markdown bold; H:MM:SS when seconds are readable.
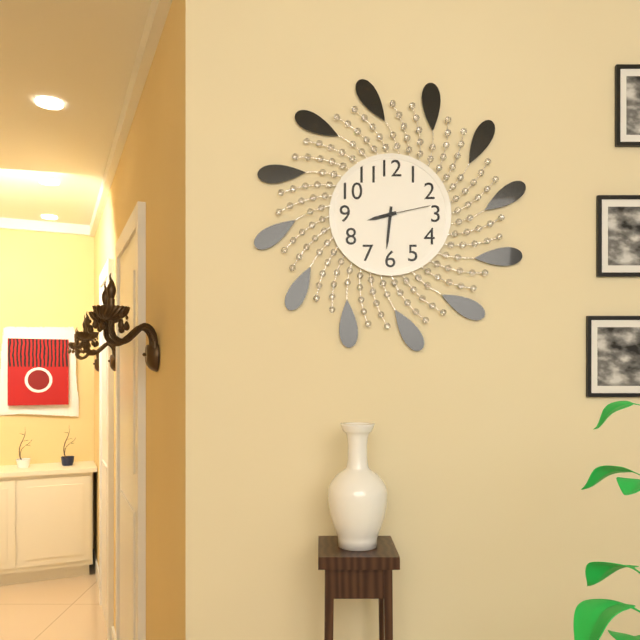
**8:31:13**
